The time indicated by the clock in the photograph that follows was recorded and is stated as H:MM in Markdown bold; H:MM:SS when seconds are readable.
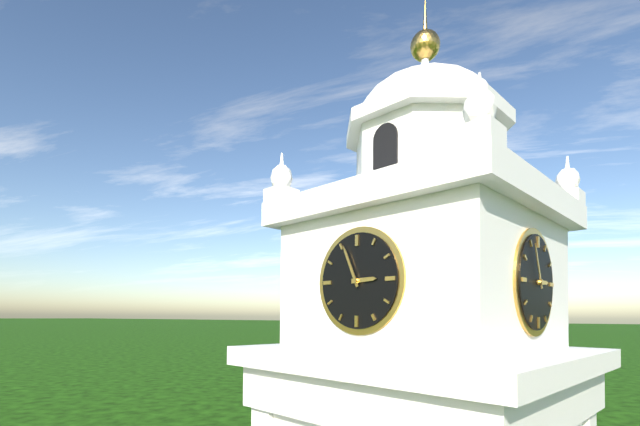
**2:56**
